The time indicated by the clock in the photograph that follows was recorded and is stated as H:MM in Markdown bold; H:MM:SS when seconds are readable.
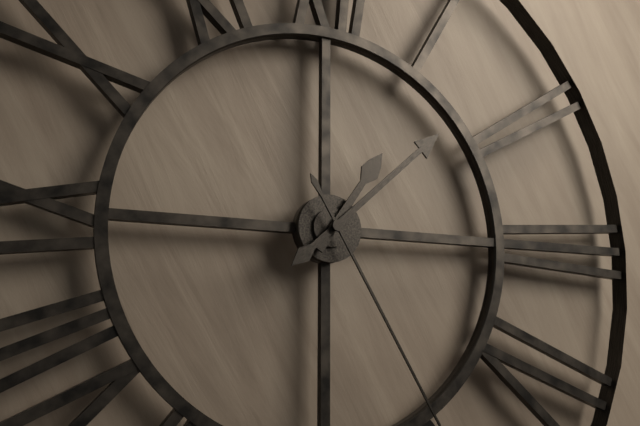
**1:08**
